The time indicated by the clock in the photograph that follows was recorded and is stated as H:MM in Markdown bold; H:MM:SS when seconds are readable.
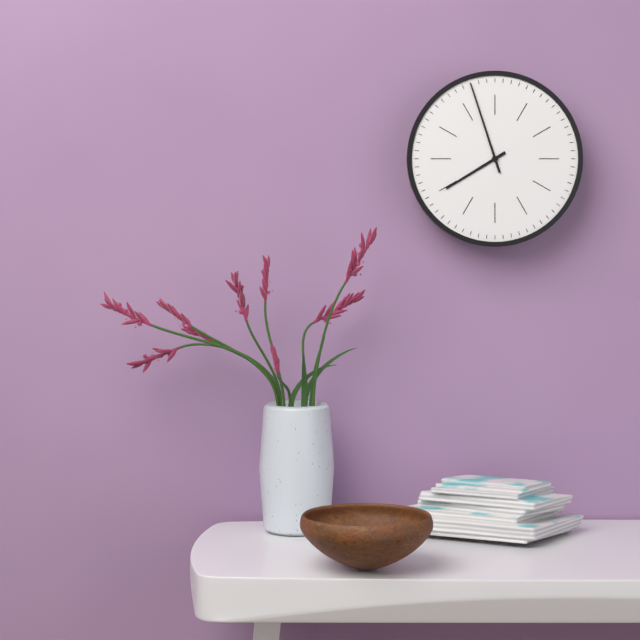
**7:57**
